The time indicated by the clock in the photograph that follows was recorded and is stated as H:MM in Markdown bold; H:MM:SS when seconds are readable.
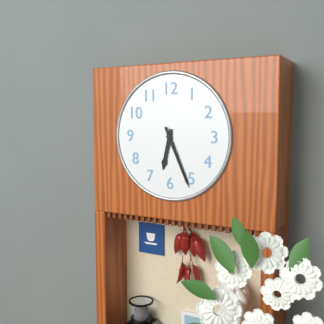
**6:26**
